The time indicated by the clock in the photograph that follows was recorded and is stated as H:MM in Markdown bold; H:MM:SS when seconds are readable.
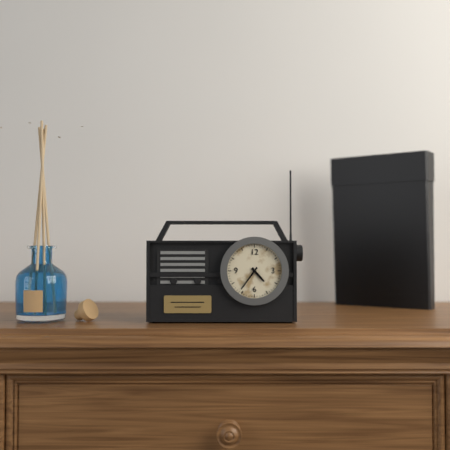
**4:36**
